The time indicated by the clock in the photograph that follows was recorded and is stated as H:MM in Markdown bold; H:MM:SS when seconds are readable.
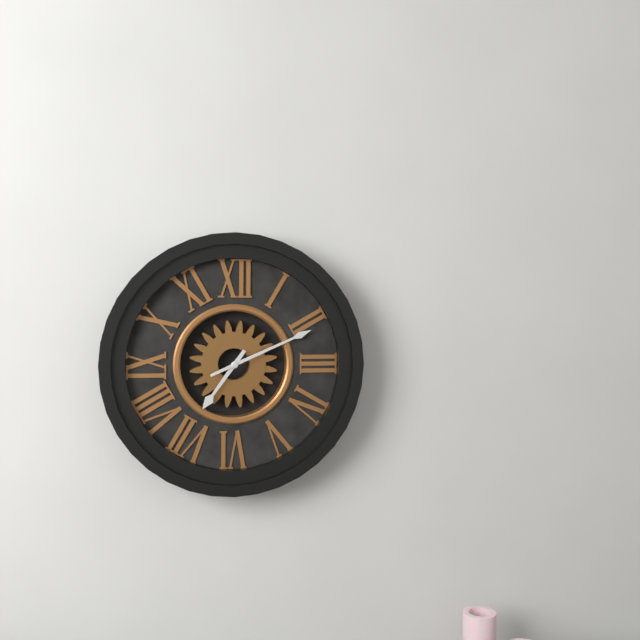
**7:11**
